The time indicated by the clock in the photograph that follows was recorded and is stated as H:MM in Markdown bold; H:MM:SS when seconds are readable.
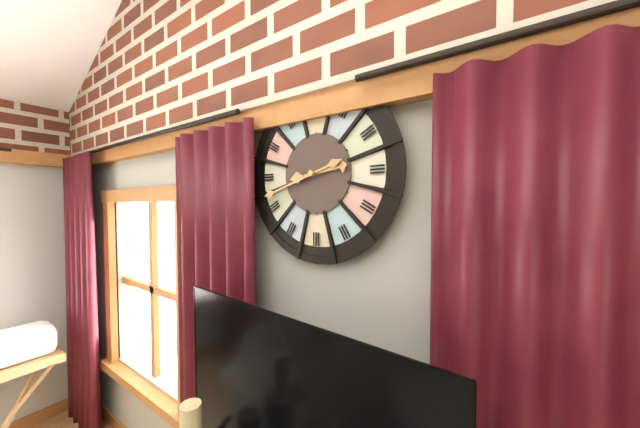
**2:42**
